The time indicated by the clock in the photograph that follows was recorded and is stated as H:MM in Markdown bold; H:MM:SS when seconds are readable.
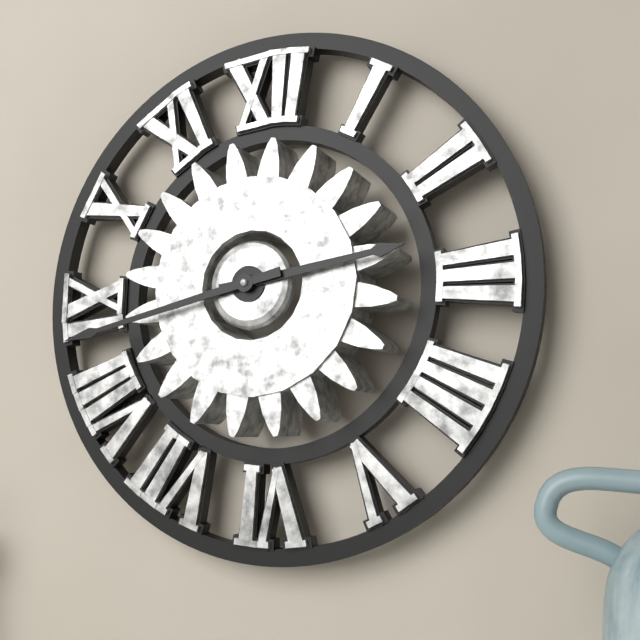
**2:43**
